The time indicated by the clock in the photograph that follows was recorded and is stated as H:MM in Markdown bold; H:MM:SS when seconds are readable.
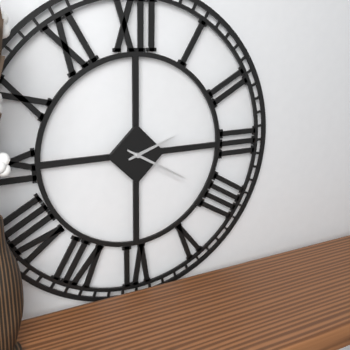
**2:20**
